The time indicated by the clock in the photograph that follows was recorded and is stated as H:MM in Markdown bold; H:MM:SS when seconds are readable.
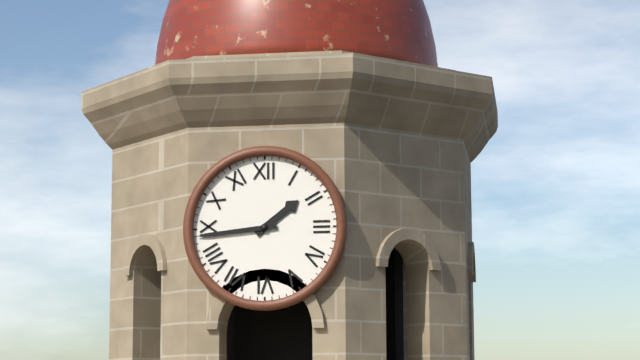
**1:44**
